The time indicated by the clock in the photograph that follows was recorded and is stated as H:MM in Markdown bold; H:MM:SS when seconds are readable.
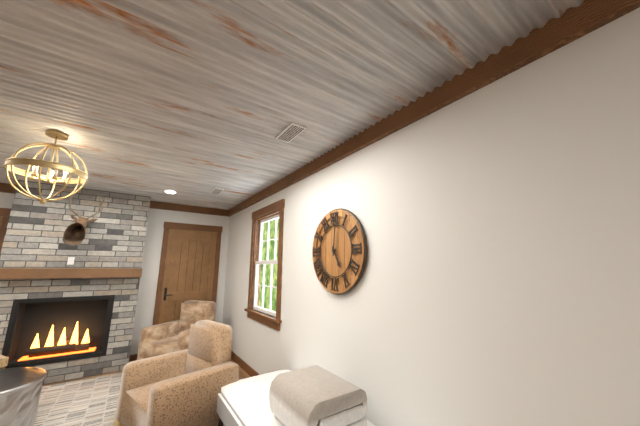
**5:01**
